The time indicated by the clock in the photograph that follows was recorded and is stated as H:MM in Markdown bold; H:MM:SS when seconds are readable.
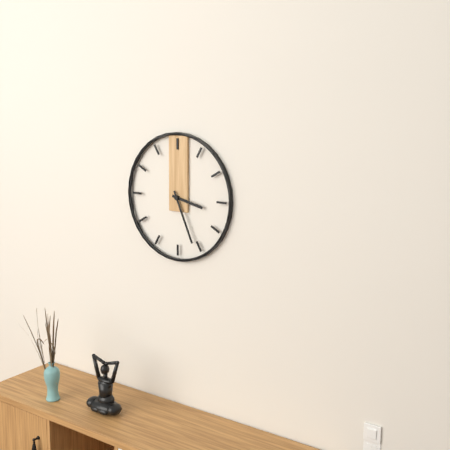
**3:26**
